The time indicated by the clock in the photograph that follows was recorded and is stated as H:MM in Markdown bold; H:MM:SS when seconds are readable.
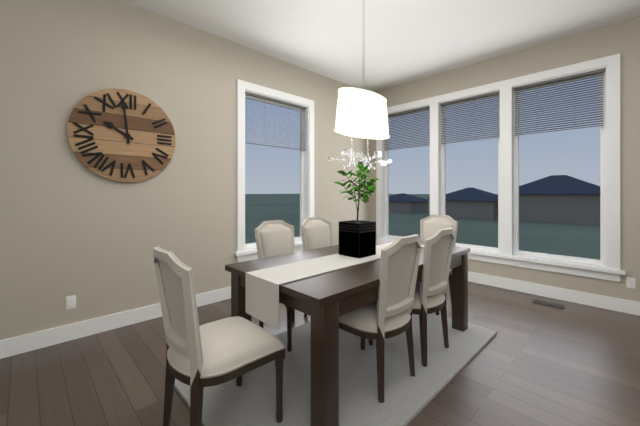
**9:59**
